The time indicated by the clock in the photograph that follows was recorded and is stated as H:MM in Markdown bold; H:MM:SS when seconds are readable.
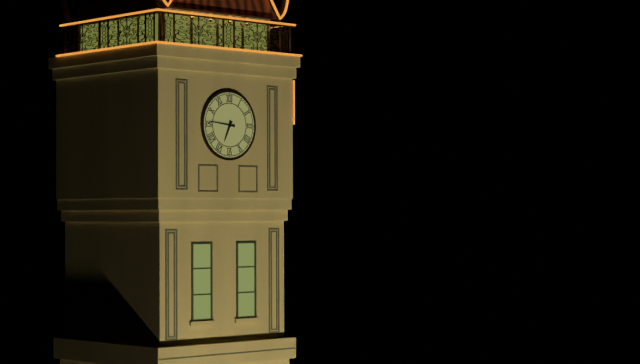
**6:46**
